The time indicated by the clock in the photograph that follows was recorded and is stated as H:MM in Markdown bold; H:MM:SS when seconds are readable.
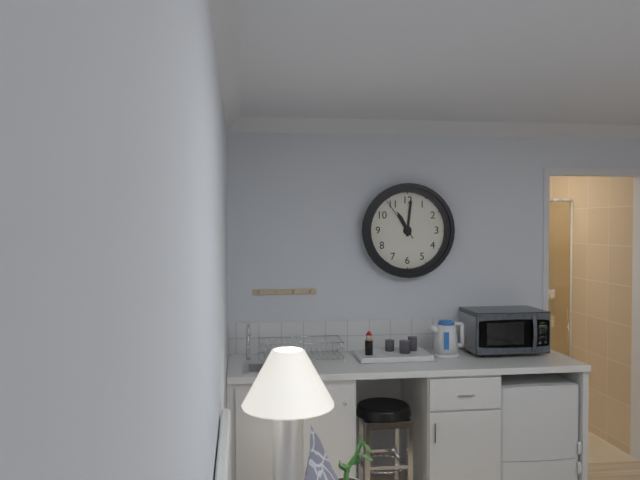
**11:01**
